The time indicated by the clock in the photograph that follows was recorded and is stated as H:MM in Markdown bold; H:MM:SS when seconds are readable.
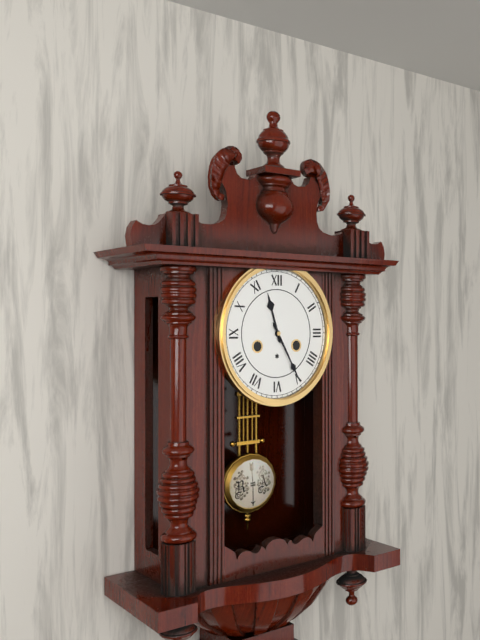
**11:25**
